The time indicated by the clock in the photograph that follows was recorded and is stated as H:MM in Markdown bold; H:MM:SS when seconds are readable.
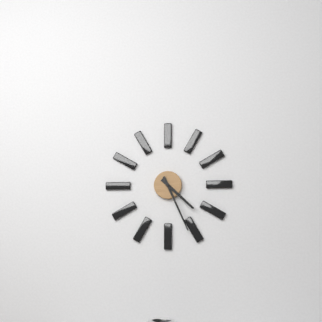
**4:26**
